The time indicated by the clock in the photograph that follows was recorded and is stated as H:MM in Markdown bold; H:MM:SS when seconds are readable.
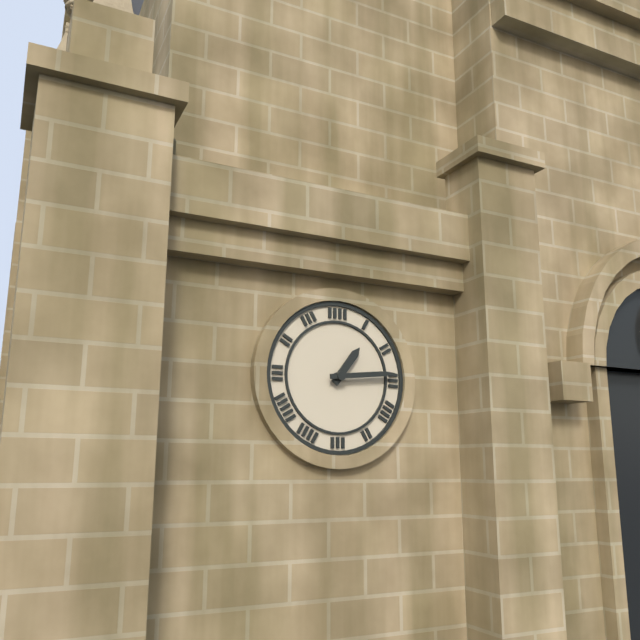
**1:14**
